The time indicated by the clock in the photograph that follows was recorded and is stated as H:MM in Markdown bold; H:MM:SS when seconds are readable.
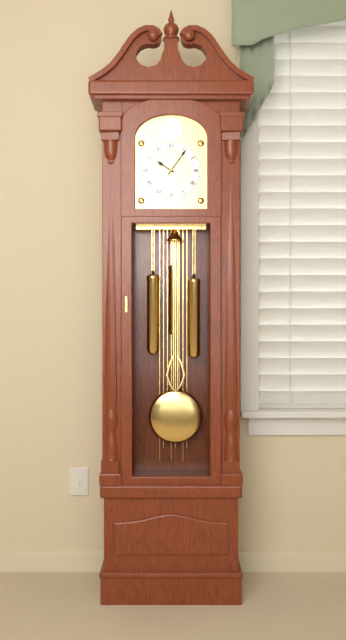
**10:06**
